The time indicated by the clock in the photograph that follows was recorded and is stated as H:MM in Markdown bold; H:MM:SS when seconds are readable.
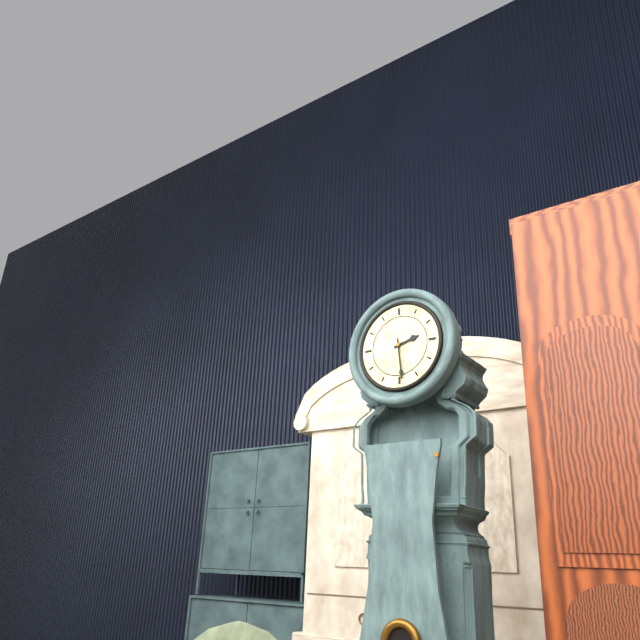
**2:29**
